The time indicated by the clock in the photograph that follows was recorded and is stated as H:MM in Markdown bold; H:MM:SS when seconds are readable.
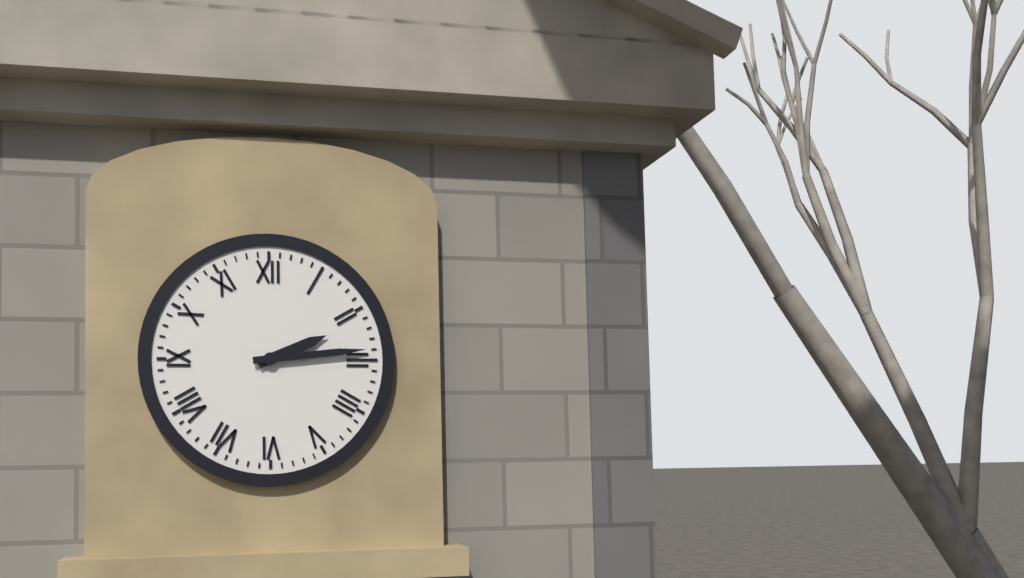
**2:14**
